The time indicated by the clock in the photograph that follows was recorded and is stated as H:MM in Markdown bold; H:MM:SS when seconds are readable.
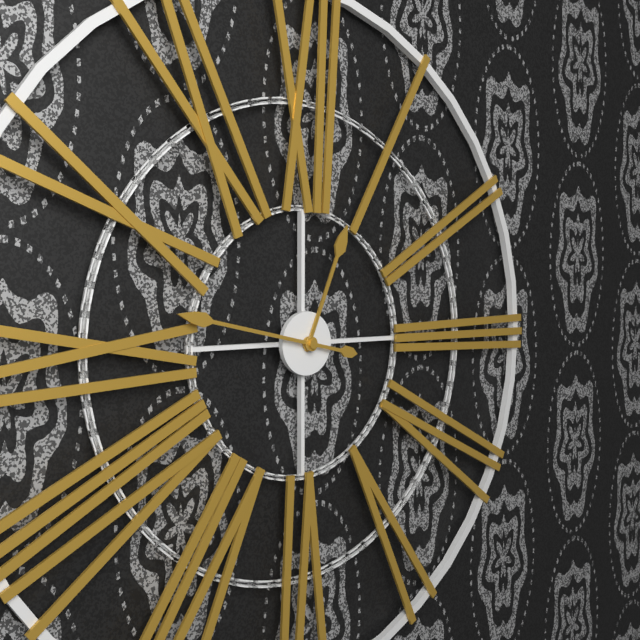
**12:47**
